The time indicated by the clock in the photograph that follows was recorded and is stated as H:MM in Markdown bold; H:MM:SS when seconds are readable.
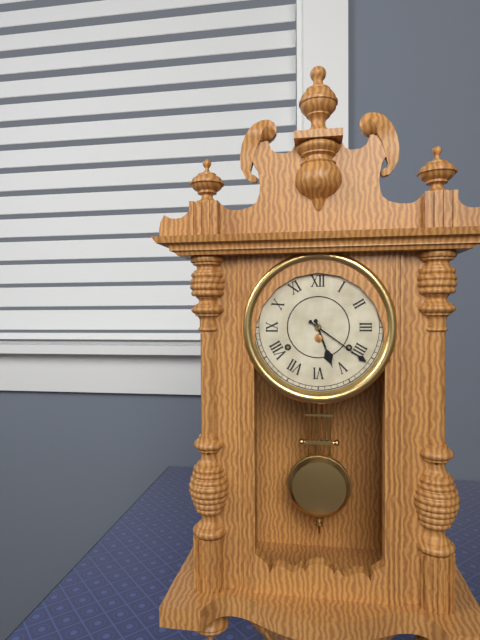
**5:21**
